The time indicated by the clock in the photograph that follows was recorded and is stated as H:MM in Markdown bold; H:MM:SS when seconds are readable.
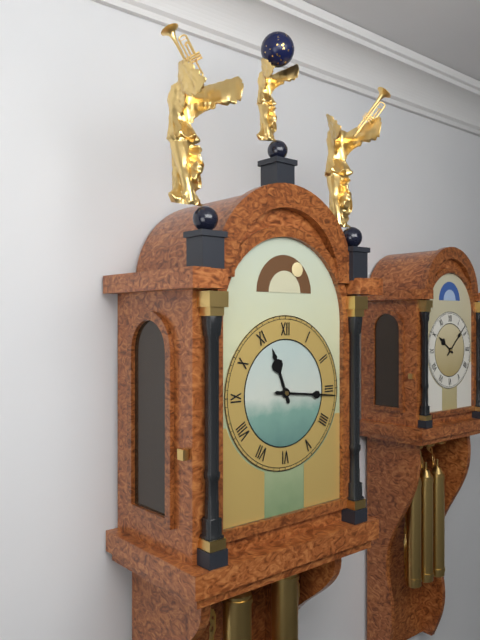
**11:16**
